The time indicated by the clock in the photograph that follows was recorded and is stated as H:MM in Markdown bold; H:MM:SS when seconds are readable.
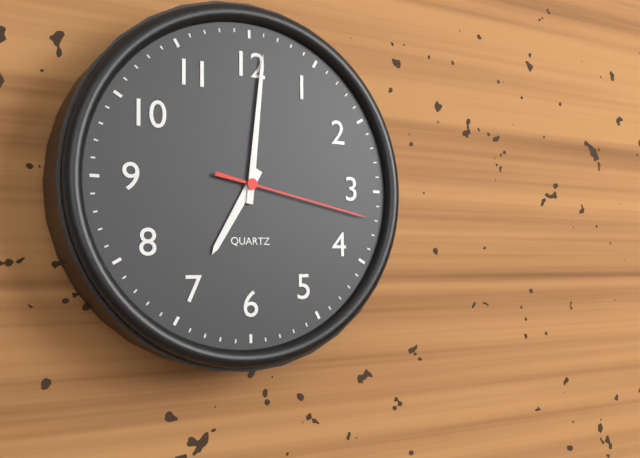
**7:01:17**
